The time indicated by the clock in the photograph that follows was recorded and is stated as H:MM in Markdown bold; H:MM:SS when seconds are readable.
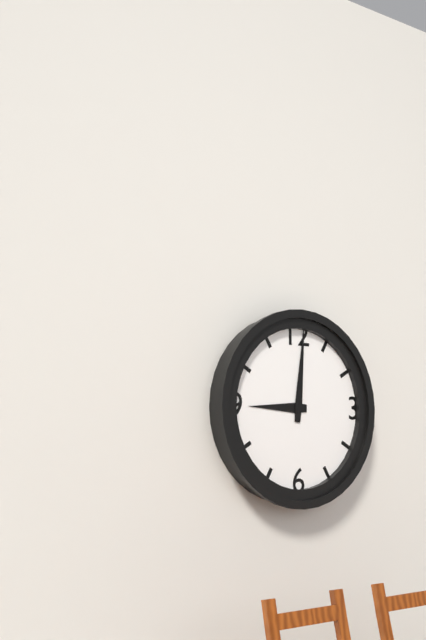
**9:01**
